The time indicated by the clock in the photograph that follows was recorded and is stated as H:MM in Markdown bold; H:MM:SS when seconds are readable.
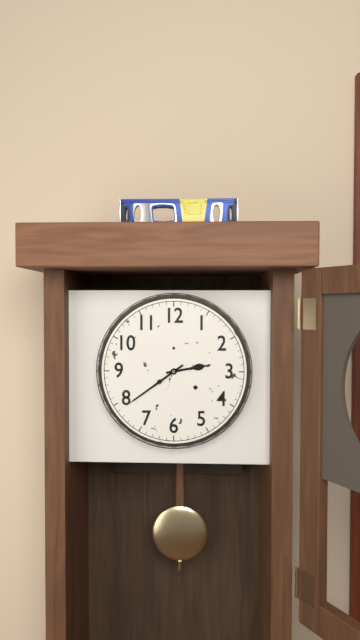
**2:39**
